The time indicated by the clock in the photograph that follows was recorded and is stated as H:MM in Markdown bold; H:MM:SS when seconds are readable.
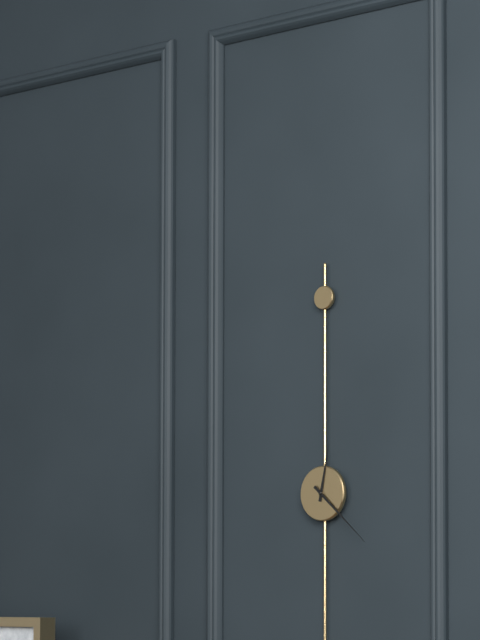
**12:22**
